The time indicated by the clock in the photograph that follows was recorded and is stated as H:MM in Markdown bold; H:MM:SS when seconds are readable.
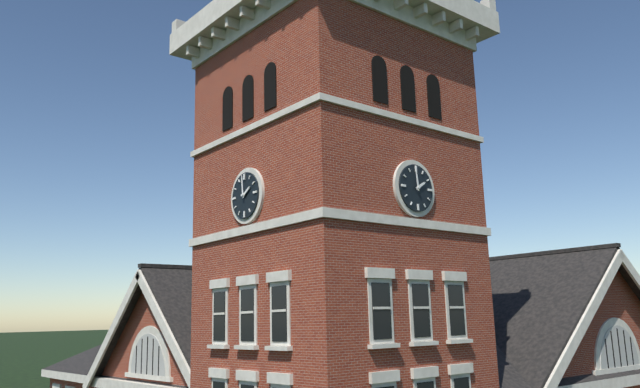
**1:59**
